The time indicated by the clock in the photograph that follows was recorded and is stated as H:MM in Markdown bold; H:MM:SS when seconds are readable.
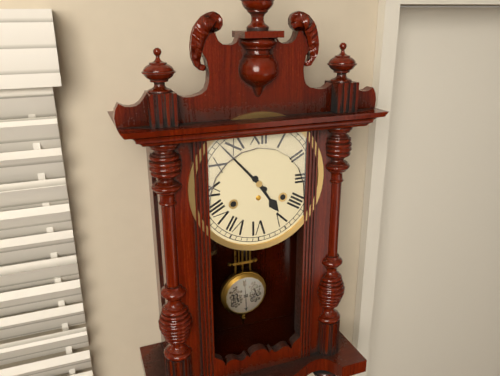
**4:53**
